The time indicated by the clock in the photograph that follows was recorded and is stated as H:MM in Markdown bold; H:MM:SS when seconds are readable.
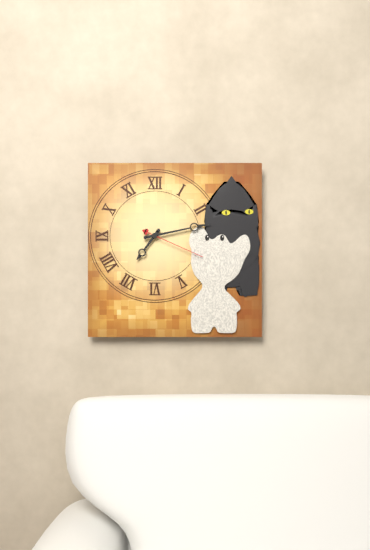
**7:13:19**
